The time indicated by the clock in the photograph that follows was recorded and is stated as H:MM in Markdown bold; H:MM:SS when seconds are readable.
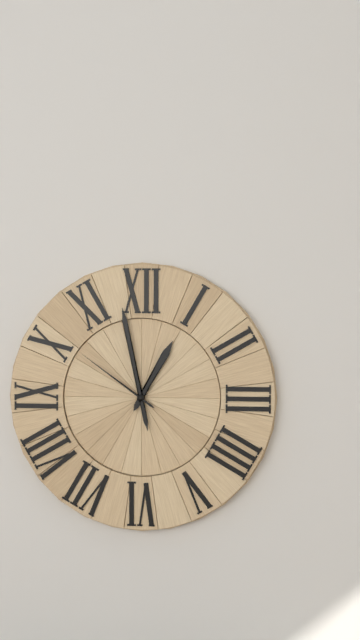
**12:58:51**
